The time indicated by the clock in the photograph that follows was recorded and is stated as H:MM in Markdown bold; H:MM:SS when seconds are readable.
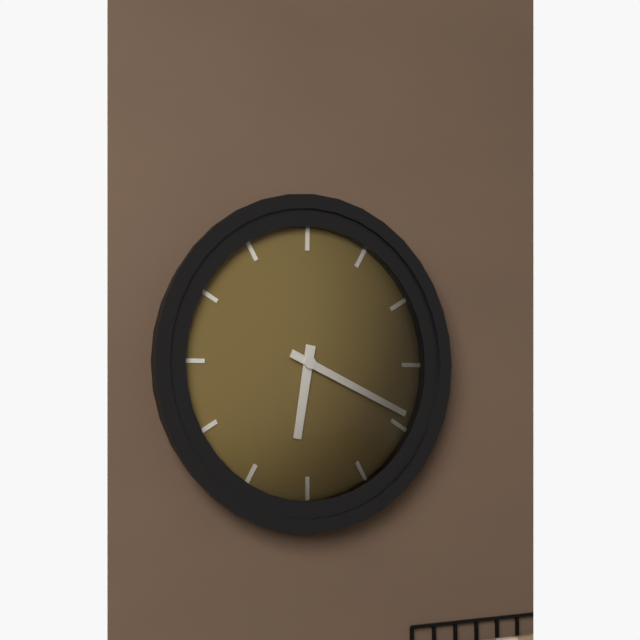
**6:19**
